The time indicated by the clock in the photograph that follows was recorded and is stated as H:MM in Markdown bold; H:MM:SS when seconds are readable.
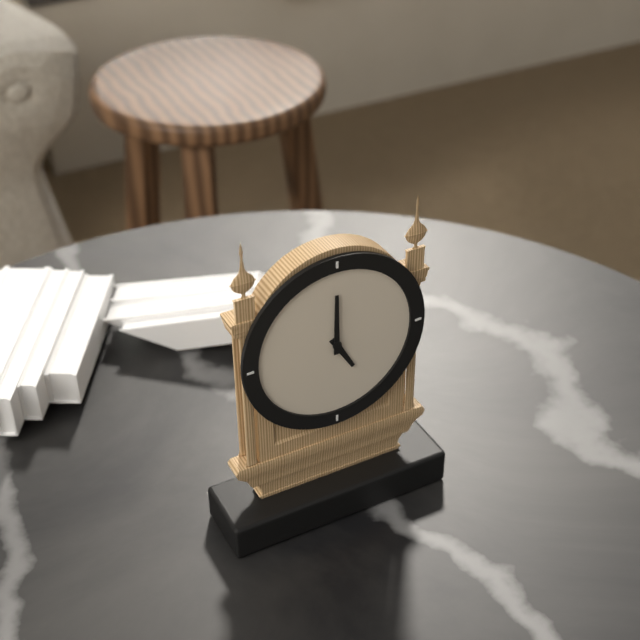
**5:00**
